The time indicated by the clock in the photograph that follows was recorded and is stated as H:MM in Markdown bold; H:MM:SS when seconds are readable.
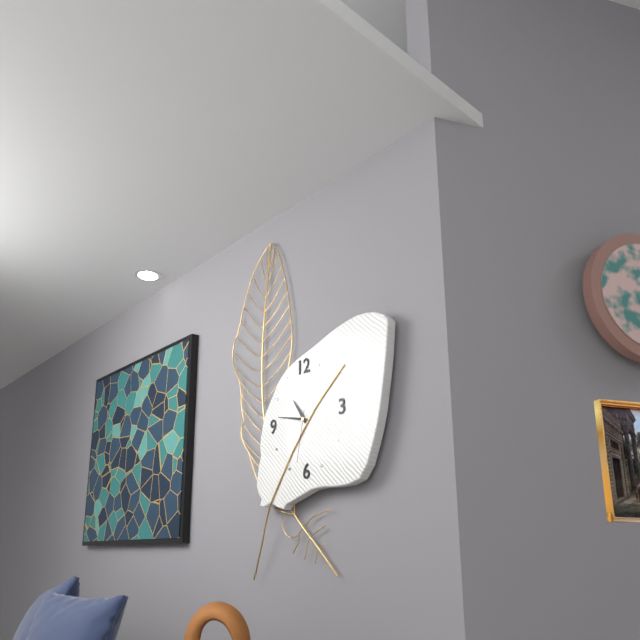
**10:47:32**
